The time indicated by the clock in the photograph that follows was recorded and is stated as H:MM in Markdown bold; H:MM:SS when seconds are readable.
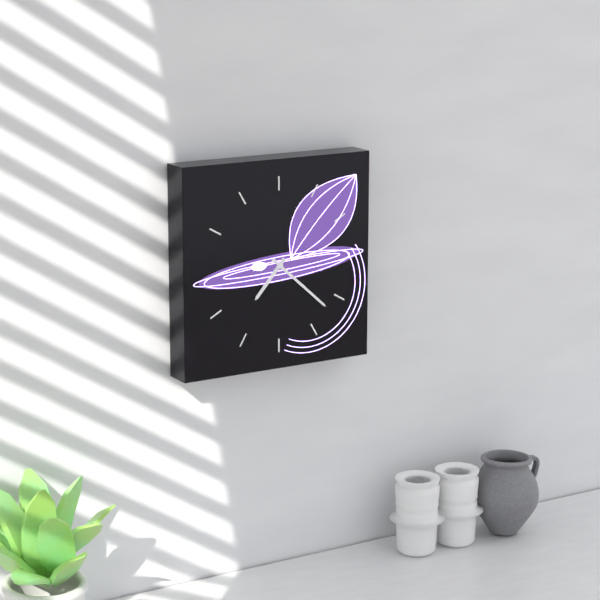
**7:22**
